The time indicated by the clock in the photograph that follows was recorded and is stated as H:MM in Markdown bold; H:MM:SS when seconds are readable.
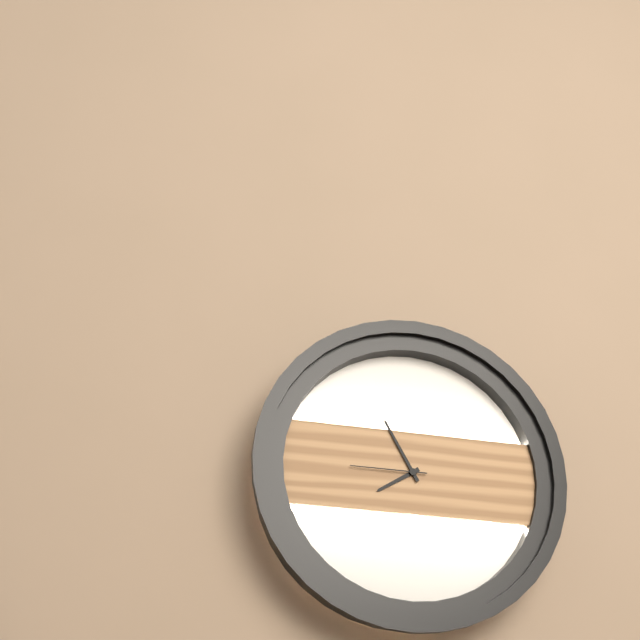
**7:55:45**
